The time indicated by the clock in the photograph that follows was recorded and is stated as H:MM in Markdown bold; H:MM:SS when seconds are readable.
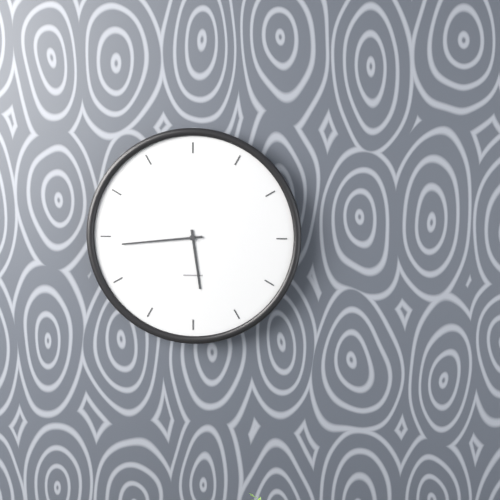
**5:44**
